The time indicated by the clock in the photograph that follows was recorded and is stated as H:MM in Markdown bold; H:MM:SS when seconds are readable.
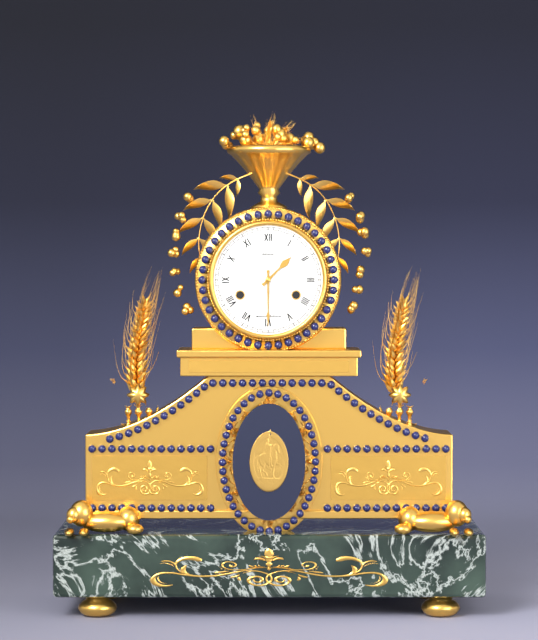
**1:30**
